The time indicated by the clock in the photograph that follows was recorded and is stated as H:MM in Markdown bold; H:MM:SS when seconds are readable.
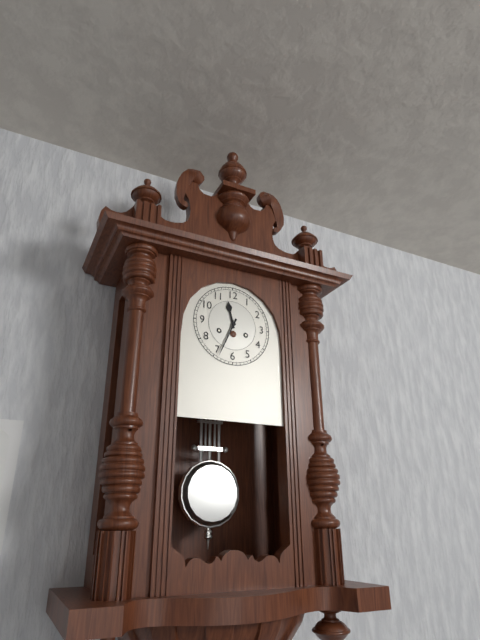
**11:34**
